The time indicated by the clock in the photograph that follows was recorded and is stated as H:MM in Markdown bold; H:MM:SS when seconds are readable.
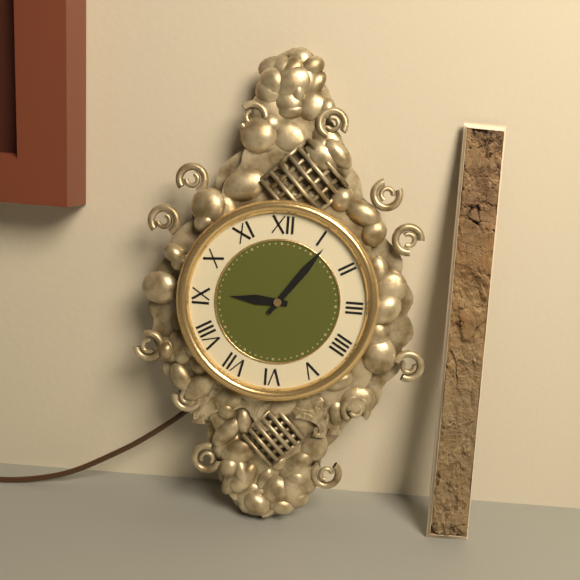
**9:06**
